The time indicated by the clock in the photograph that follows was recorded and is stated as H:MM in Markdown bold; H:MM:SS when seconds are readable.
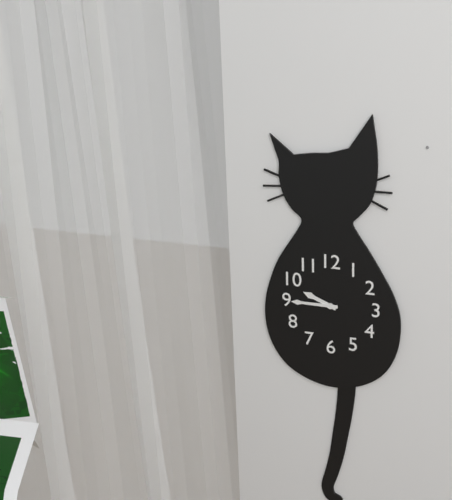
**9:45**
